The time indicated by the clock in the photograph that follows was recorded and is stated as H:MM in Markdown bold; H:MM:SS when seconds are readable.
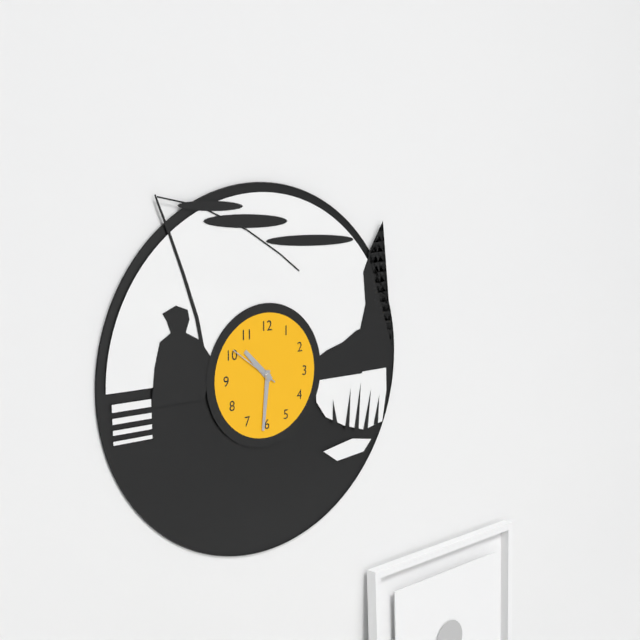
**10:31:51**
